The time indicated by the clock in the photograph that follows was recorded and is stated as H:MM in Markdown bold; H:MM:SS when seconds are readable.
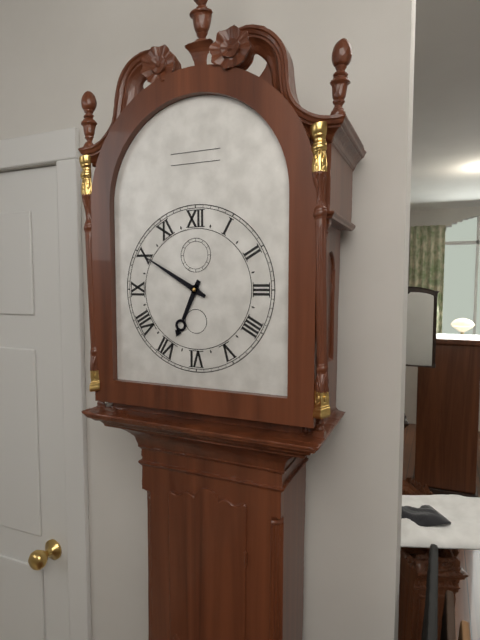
**6:50**
